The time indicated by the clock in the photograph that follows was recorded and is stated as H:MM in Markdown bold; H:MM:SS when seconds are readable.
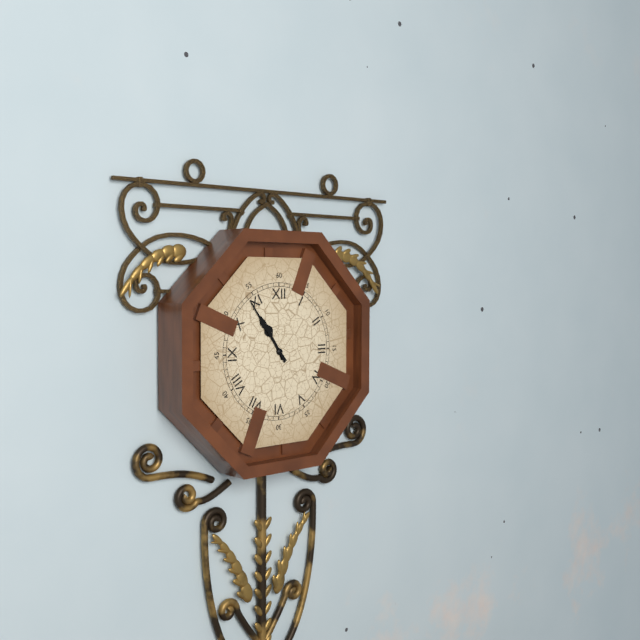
**10:54**
